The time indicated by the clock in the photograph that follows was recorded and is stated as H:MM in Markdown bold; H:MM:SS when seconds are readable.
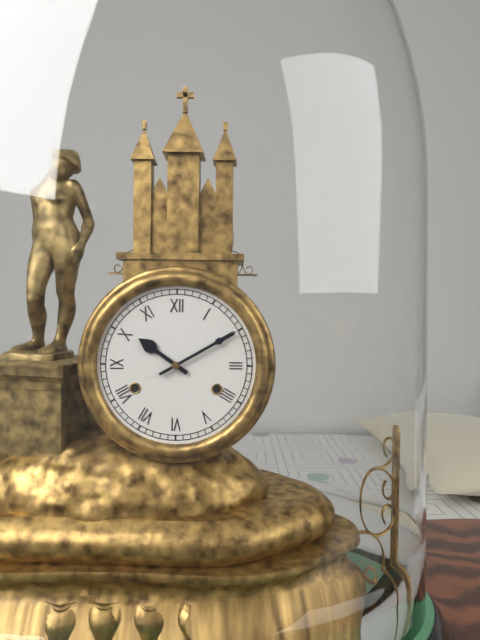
**10:10**
